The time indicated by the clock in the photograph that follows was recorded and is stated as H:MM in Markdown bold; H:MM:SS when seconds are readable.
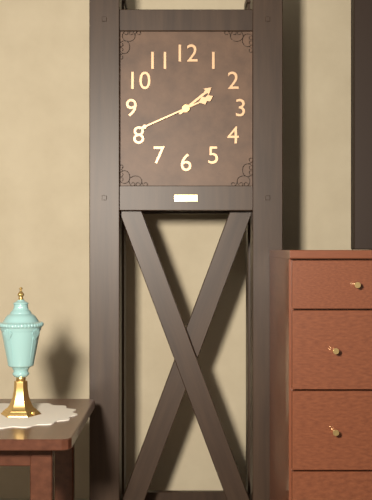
**1:41**
